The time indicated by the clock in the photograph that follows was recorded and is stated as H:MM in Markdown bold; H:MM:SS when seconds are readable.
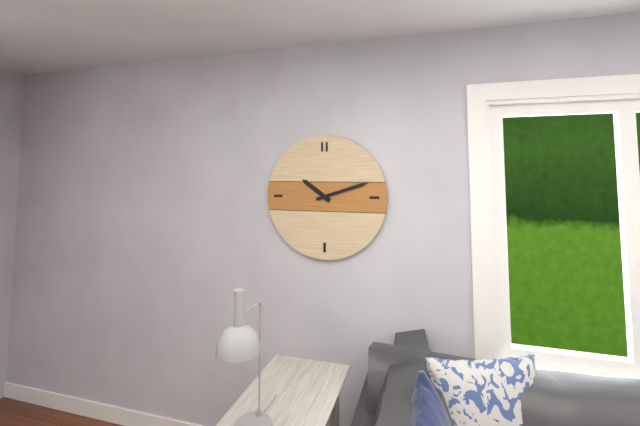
**10:12**
